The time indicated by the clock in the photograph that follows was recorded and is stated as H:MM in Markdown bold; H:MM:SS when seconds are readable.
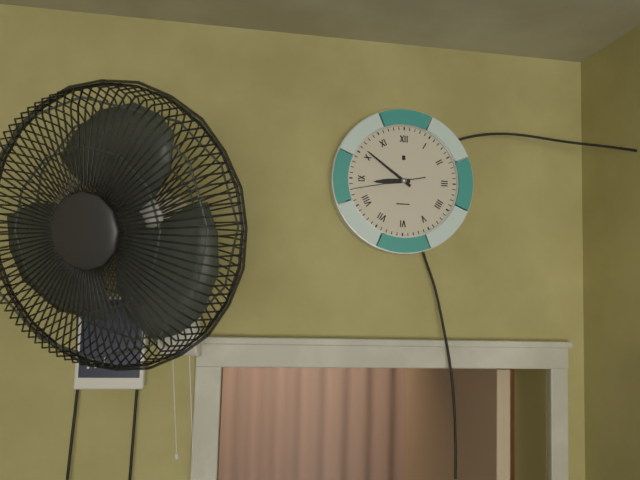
**8:51:43**
